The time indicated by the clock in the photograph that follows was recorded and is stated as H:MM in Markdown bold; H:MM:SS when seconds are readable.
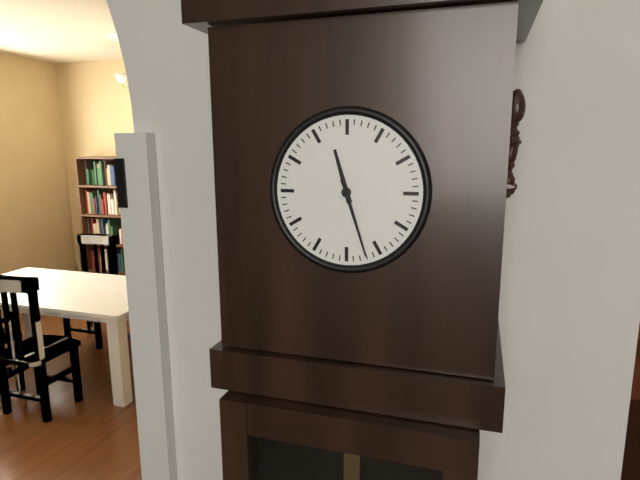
**11:27**
